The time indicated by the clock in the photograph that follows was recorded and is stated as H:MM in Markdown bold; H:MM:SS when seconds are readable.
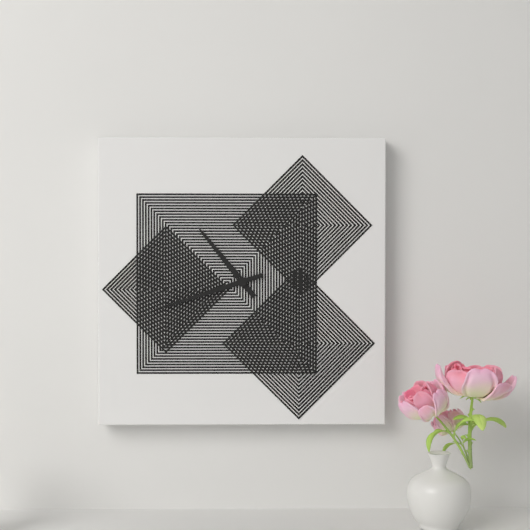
**10:42**
